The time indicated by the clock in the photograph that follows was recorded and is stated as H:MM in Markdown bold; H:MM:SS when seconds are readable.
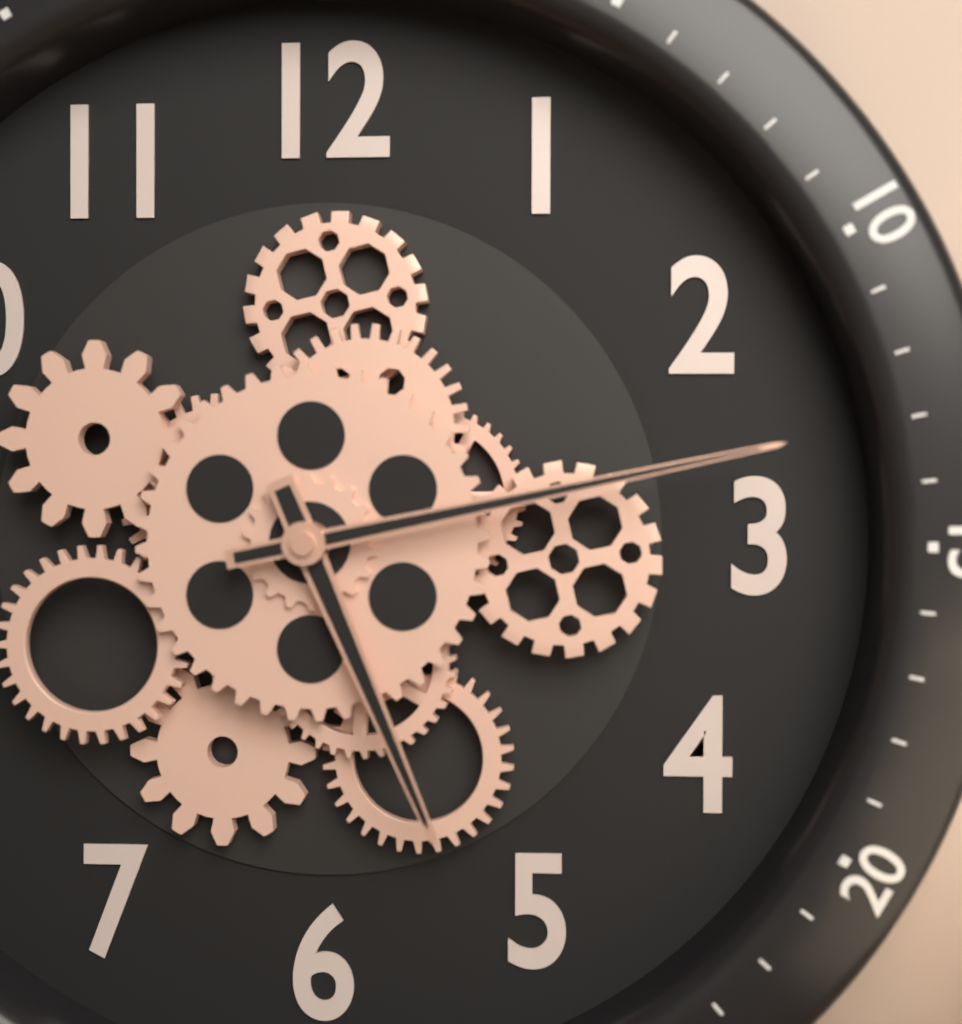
**5:13**
